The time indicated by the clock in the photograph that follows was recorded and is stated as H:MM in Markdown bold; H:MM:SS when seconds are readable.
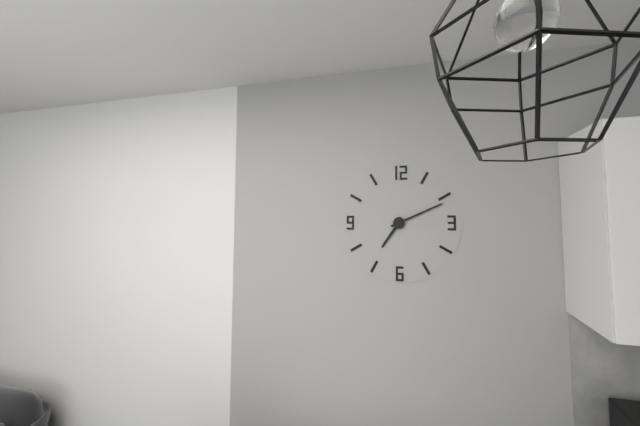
**7:11**
